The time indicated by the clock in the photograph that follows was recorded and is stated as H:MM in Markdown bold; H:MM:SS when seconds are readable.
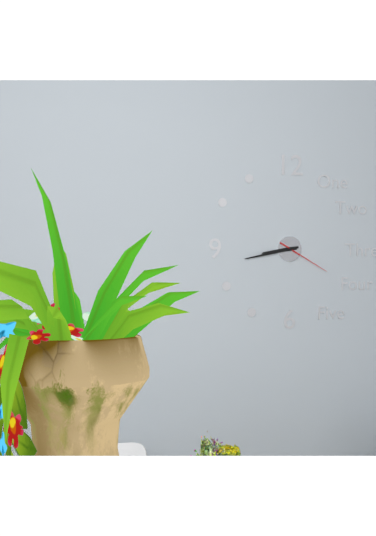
**8:43:20**
